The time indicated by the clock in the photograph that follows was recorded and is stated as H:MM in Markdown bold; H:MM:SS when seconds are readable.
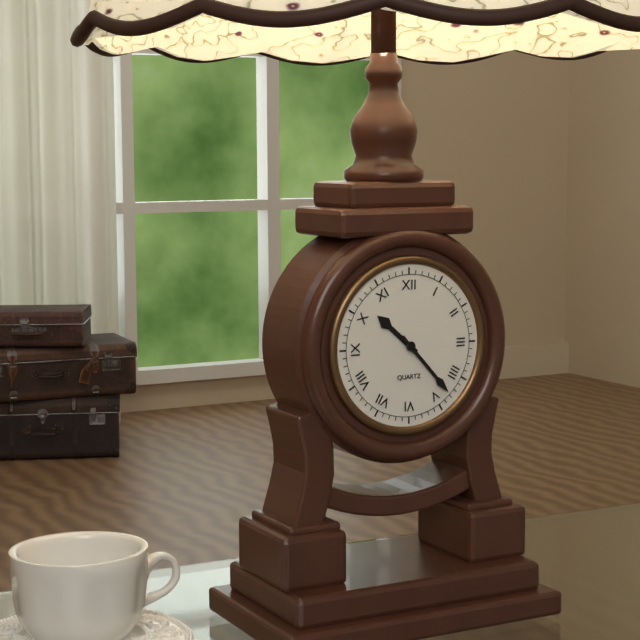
**10:23**
